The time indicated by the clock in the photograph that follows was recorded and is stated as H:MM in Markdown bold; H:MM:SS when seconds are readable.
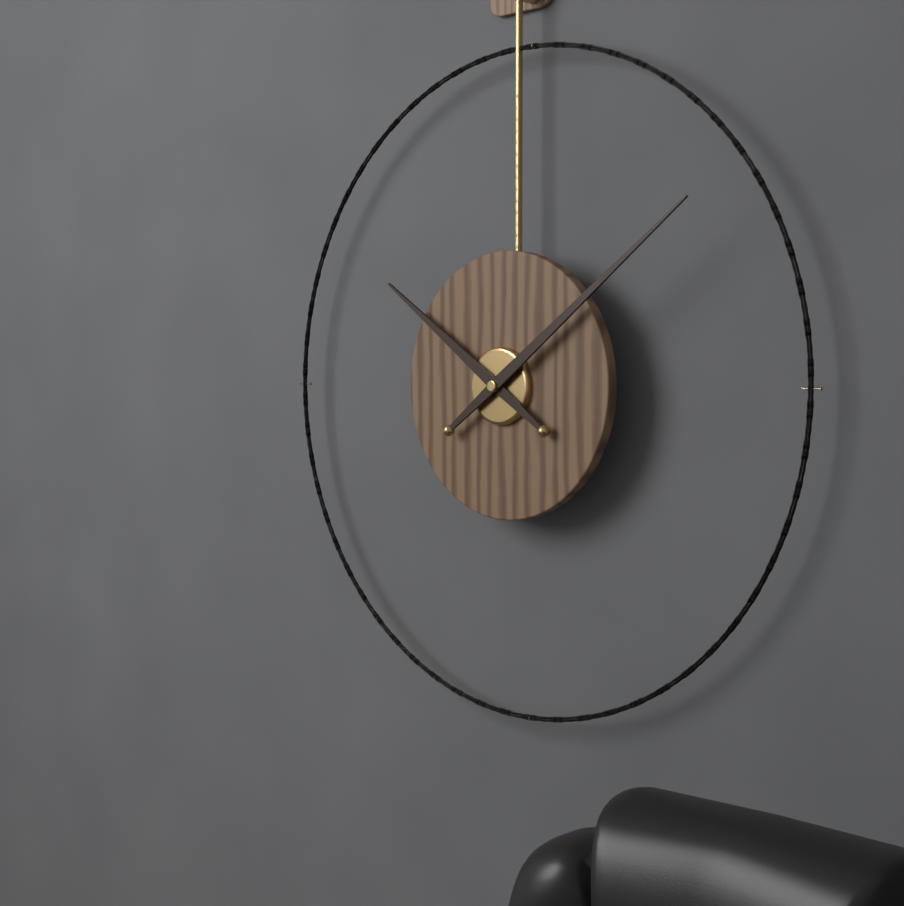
**10:09**
